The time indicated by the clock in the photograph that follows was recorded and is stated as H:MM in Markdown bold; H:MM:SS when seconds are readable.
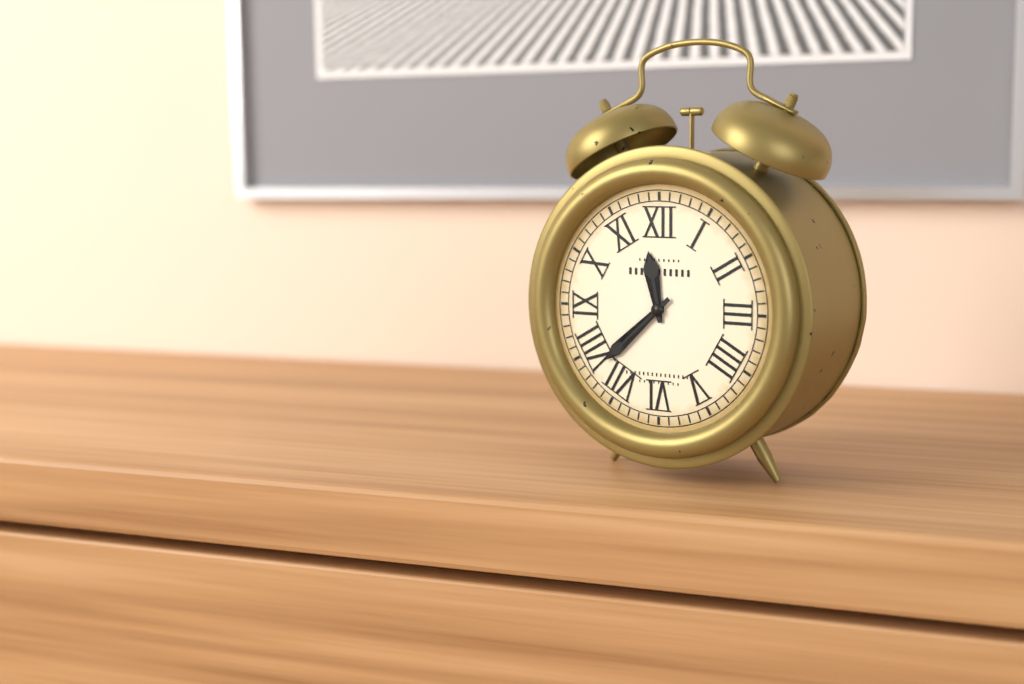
**11:38**
